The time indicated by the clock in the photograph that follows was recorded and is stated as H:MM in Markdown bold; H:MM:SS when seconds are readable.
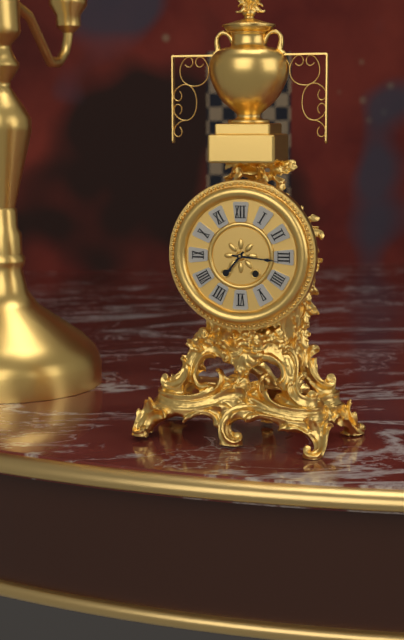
**7:16**
